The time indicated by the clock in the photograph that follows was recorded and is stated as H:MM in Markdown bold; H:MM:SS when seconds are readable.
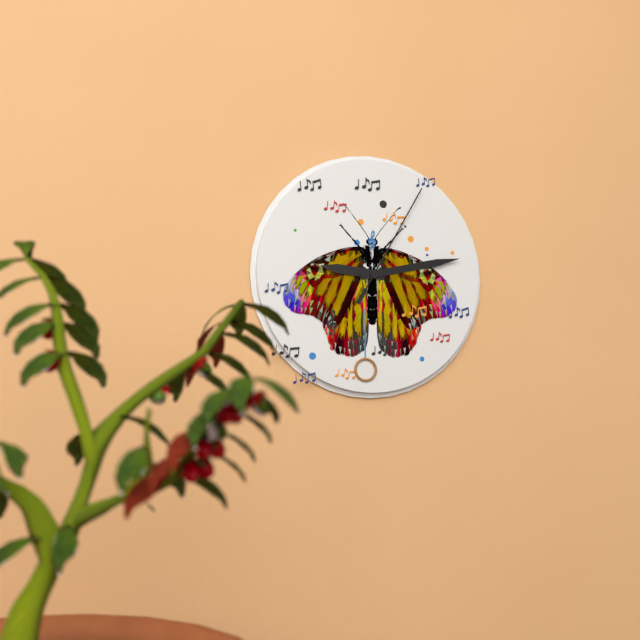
**9:13:05**
